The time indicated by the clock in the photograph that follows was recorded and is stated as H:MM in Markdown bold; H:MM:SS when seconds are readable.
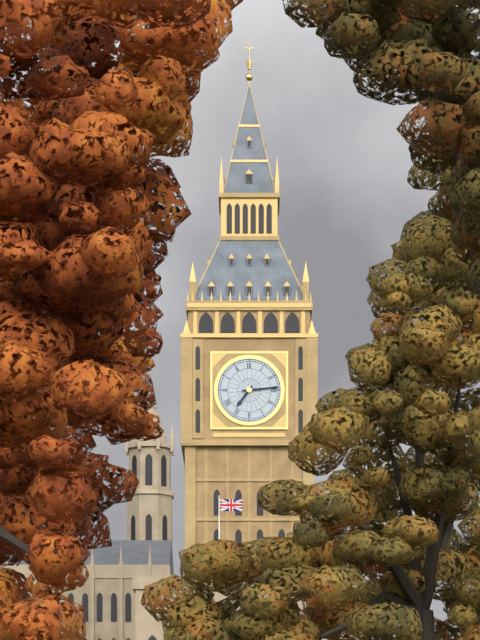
**7:14**
